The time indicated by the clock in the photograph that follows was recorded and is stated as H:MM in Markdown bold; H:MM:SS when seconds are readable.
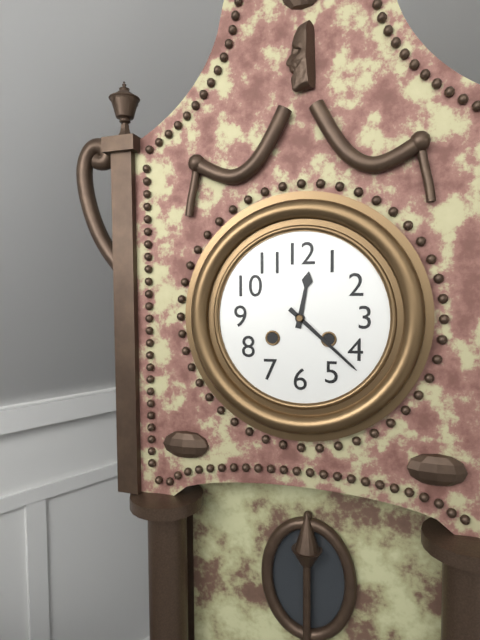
**12:22**
